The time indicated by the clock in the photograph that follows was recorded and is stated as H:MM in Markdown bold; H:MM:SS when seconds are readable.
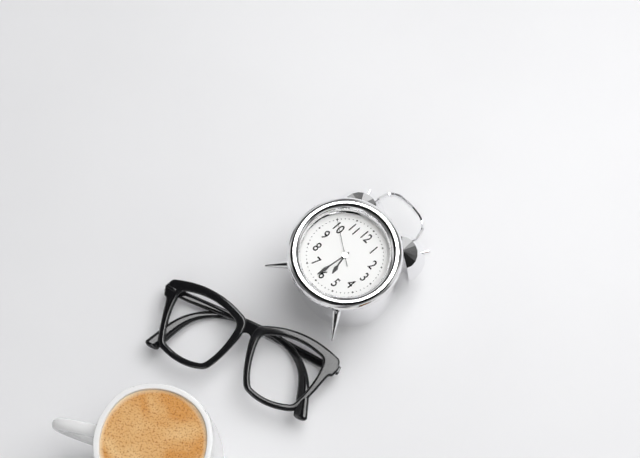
**5:31**
